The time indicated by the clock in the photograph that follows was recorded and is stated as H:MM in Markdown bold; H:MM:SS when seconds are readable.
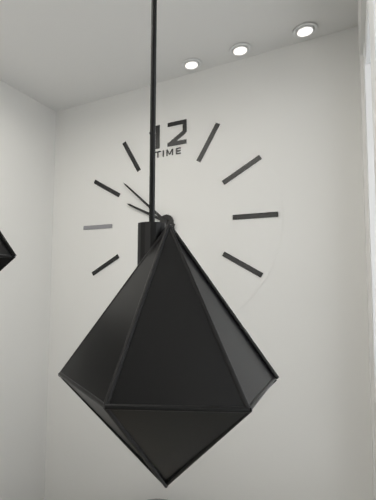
**9:52**
